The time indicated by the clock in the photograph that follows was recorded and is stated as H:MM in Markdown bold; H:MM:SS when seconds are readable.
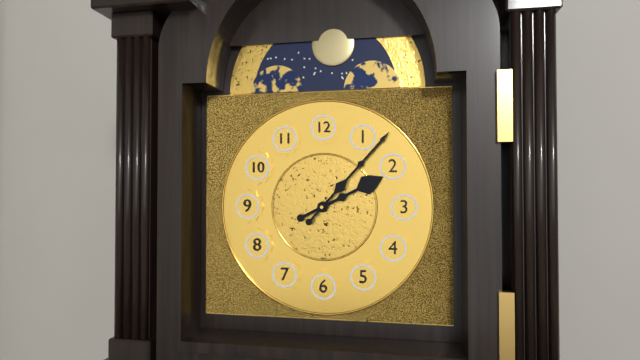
**2:07**
